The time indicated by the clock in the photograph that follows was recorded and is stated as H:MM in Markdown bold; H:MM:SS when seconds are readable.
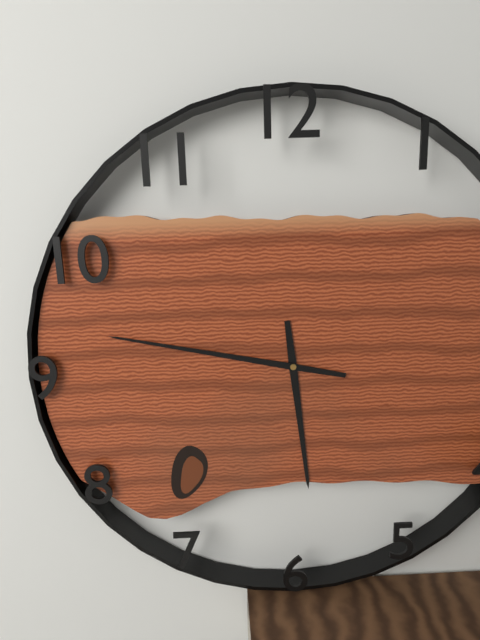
**5:47**
